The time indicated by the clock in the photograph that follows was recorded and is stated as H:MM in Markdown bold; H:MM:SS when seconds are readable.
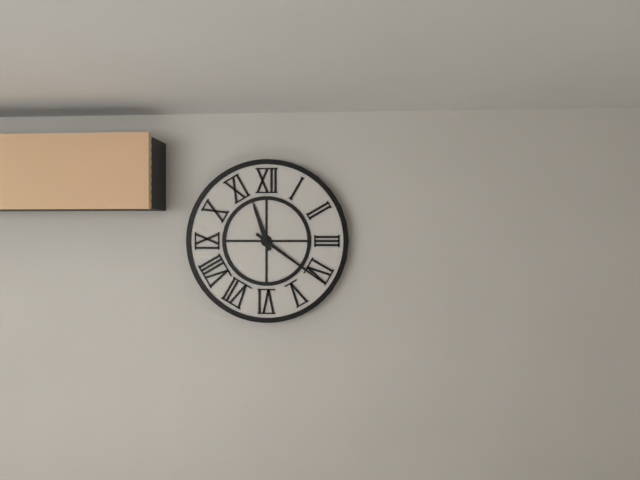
**11:21**
